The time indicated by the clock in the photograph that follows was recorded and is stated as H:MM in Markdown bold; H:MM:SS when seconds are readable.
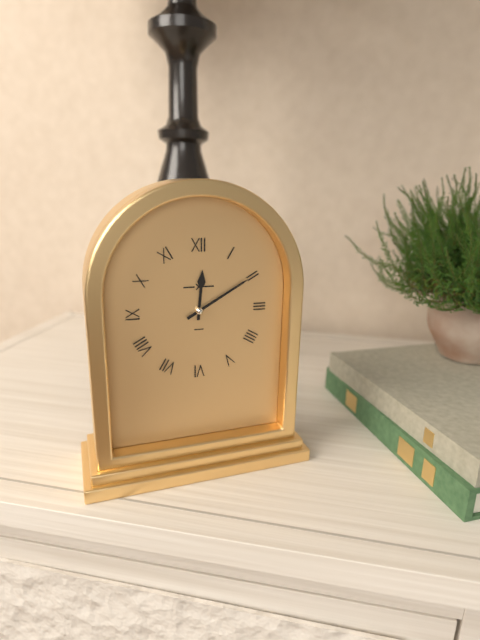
**12:10**
